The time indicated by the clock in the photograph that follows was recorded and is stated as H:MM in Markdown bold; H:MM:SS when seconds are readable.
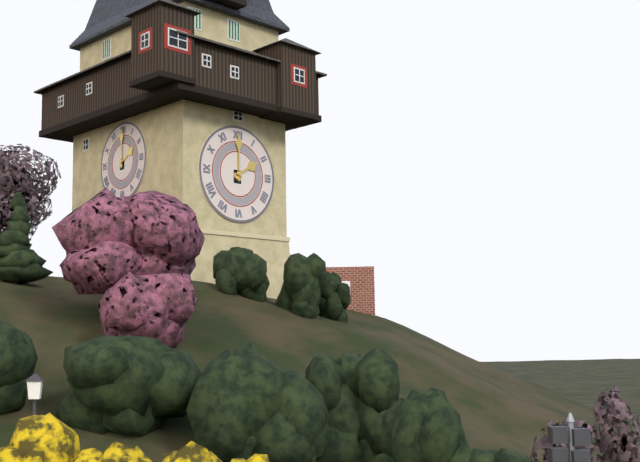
**2:00**
